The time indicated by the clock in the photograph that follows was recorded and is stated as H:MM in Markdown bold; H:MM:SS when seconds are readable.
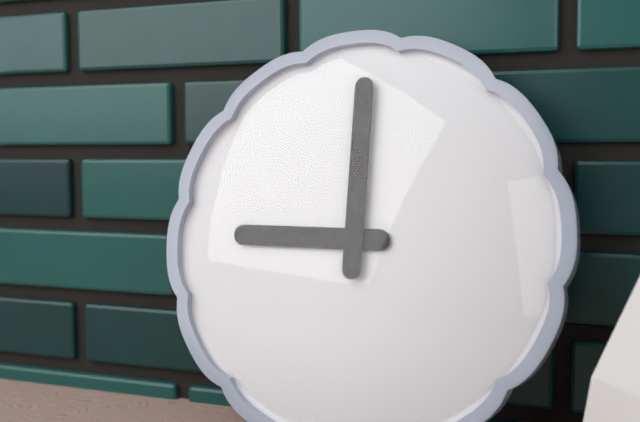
**9:00**
